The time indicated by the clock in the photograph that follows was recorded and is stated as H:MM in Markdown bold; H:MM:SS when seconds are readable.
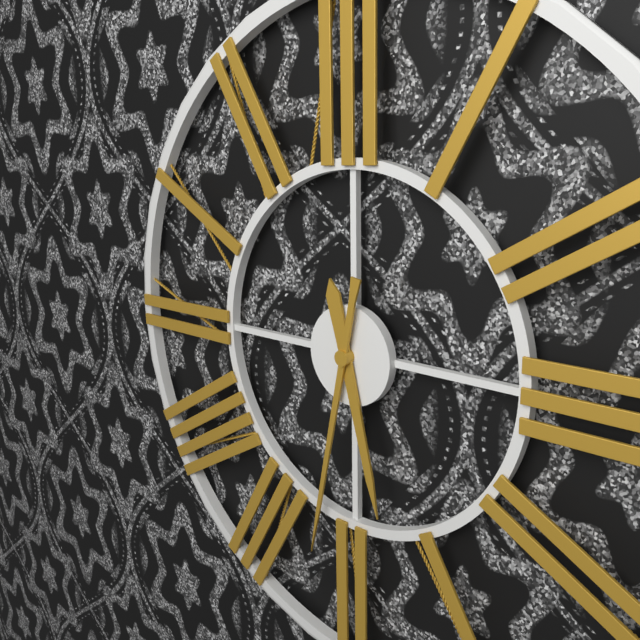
**5:32**
